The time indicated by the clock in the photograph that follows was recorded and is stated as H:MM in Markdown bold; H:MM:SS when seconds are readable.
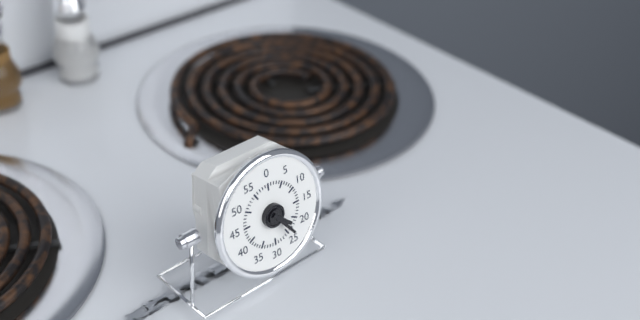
**4:24**
